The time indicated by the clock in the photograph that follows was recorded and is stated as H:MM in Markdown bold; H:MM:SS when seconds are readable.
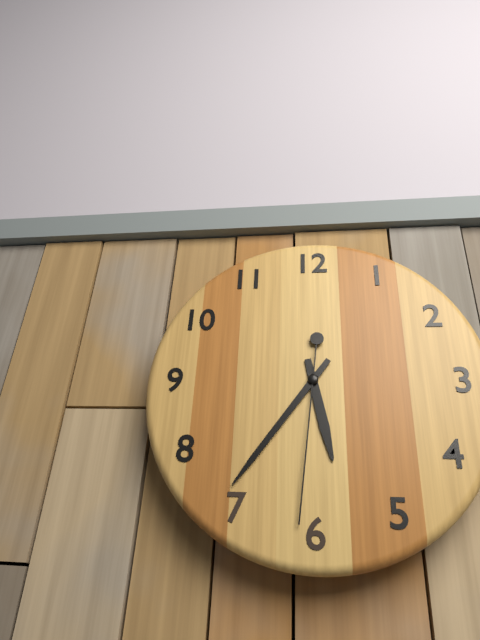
**5:36:31**
